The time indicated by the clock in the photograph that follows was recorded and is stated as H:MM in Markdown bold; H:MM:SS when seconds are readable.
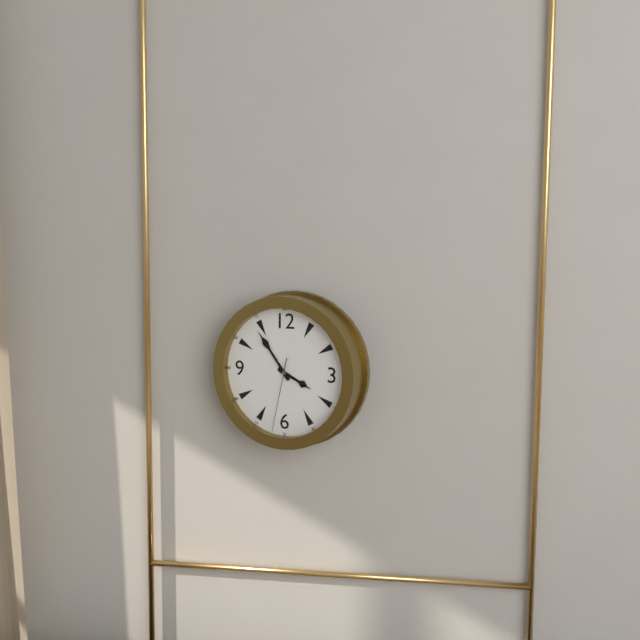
**3:54:32**
